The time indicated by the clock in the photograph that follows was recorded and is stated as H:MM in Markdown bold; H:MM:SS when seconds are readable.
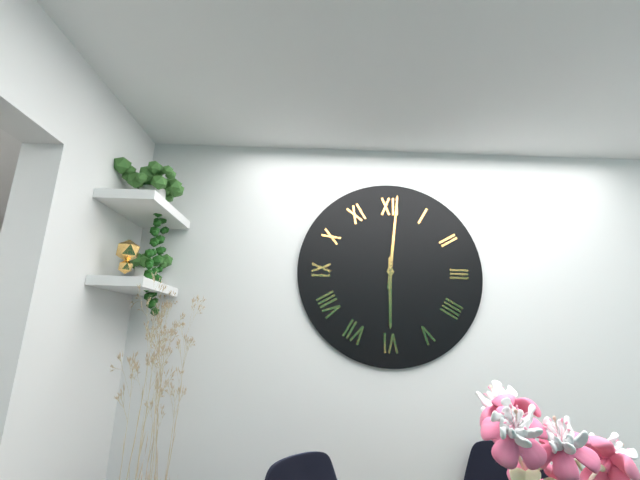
**6:01**
